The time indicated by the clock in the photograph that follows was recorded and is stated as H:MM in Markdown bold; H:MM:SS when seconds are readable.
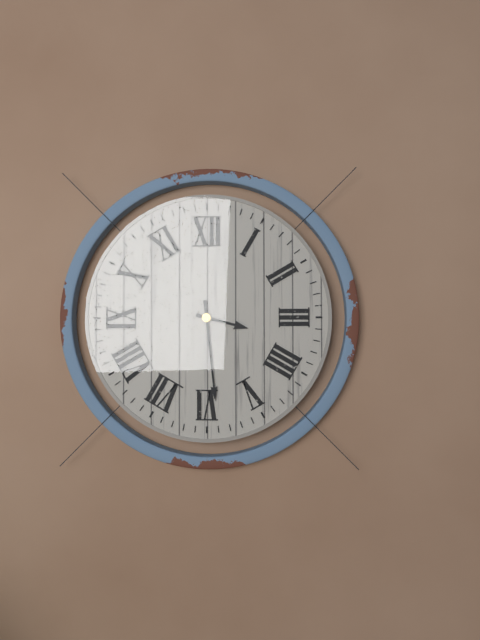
**3:29**
